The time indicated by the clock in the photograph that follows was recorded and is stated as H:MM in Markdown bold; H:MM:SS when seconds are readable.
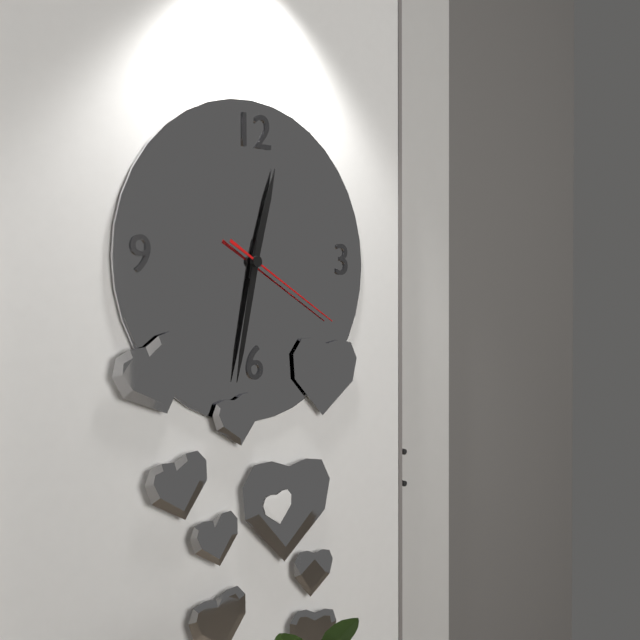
**12:32:20**
